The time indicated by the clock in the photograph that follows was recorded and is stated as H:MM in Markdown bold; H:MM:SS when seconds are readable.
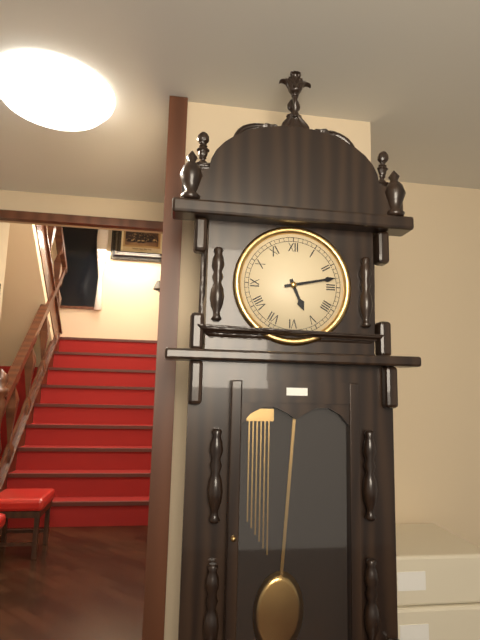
**5:13**
